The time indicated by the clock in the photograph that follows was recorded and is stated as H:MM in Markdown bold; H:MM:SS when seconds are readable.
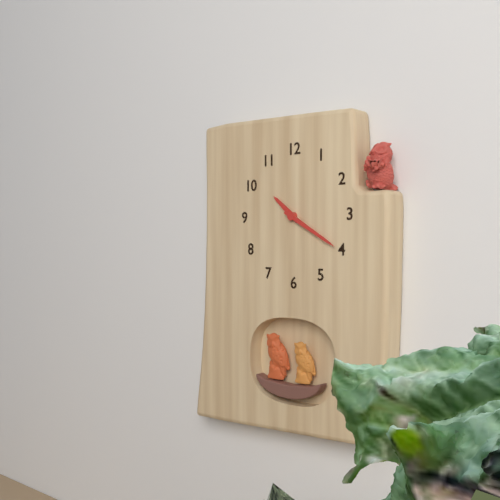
**10:20**
